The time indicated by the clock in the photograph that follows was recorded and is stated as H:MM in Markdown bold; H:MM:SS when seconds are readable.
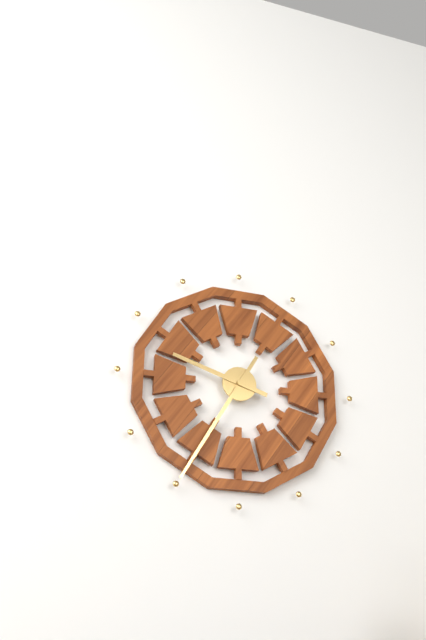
**9:35**
